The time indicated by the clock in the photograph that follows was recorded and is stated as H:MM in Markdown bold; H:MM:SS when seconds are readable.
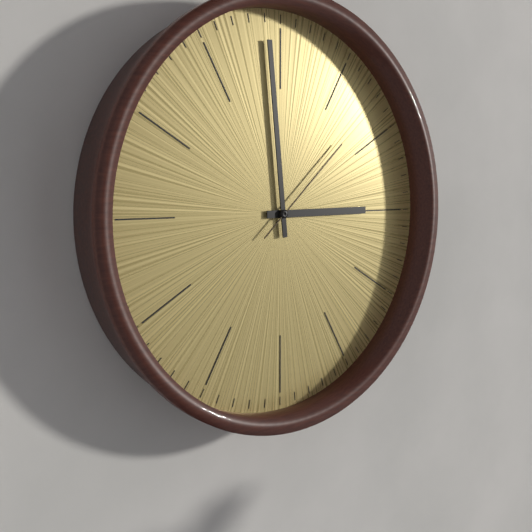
**2:59:08**
